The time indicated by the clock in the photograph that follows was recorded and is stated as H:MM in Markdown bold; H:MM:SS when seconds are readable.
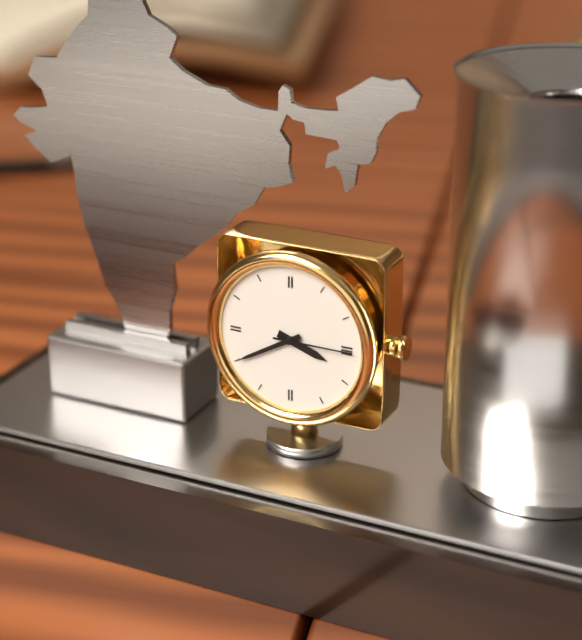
**3:40:15**
